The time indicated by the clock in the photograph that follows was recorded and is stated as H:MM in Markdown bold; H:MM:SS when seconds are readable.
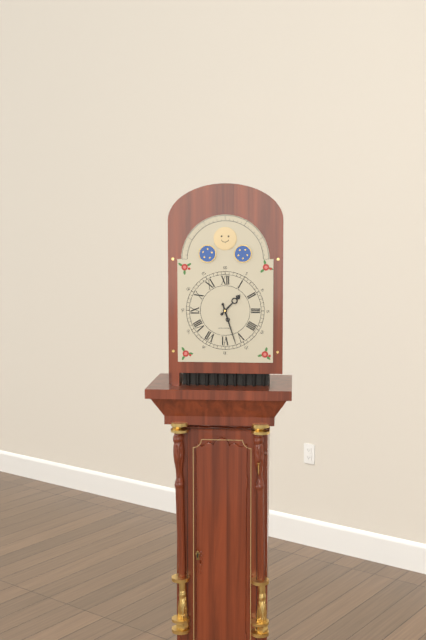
**1:27**
